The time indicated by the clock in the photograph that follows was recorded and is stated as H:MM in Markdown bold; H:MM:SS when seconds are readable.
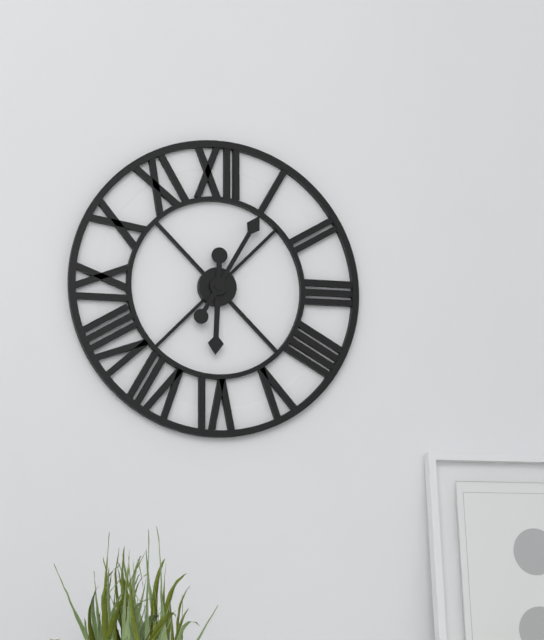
**6:05**
